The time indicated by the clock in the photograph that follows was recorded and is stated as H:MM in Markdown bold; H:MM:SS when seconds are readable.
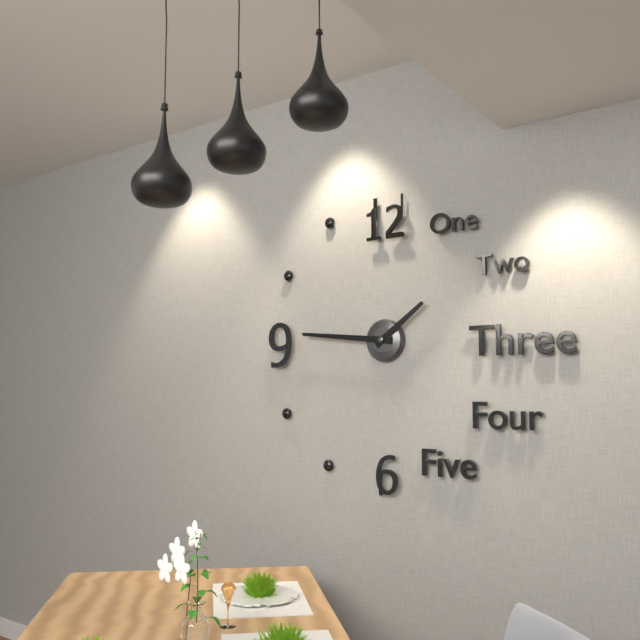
**1:46**
